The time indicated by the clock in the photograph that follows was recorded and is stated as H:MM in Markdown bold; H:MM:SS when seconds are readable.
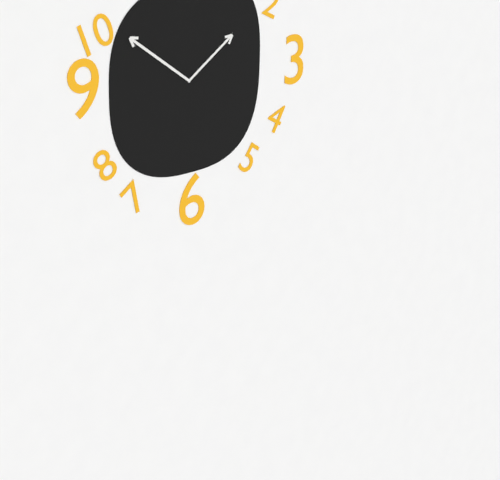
**1:51**
